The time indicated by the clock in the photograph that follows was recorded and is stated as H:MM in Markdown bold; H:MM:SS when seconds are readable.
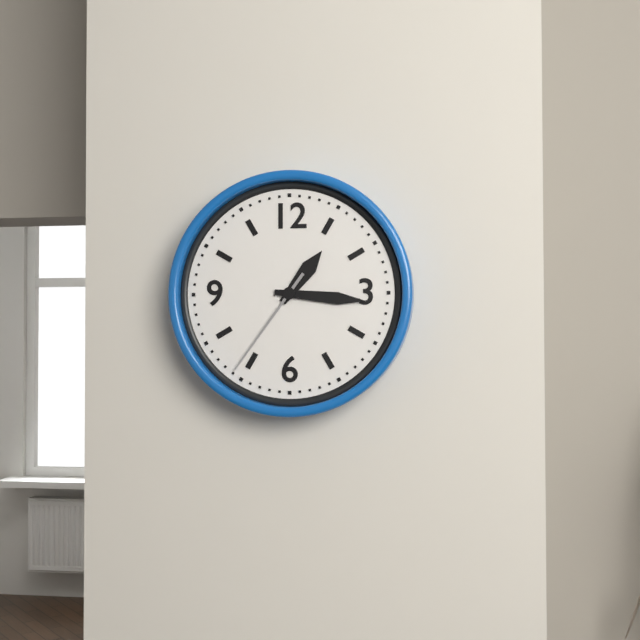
**1:16:36**
